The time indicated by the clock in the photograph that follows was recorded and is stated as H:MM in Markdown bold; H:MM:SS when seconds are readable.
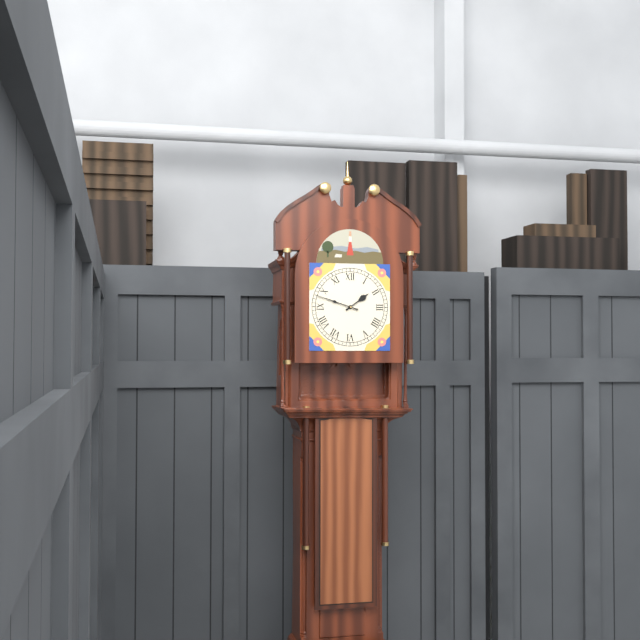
**1:48**
